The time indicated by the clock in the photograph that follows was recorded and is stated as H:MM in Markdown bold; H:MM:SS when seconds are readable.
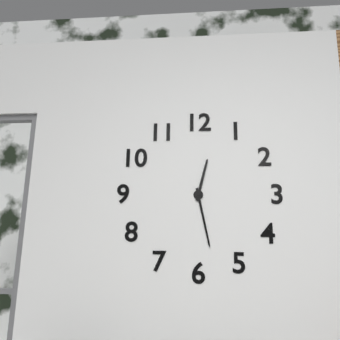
**12:28**
